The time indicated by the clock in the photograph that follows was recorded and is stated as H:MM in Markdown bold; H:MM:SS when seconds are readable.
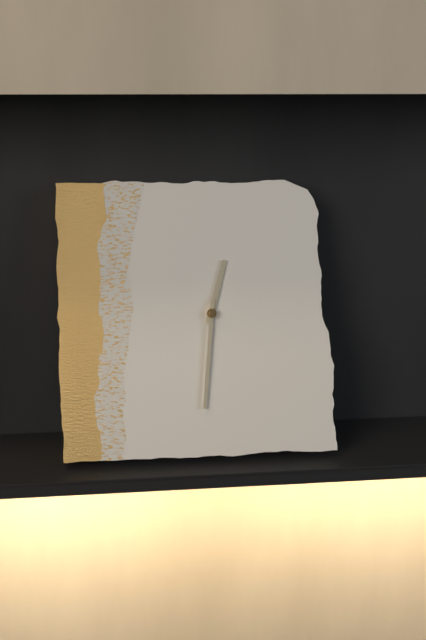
**12:31**
